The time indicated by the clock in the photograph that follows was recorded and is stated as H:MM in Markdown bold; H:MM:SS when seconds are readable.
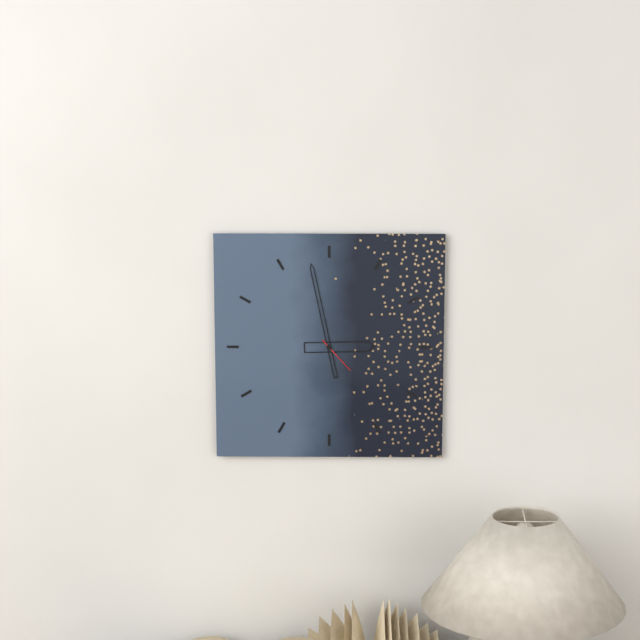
**2:58**
